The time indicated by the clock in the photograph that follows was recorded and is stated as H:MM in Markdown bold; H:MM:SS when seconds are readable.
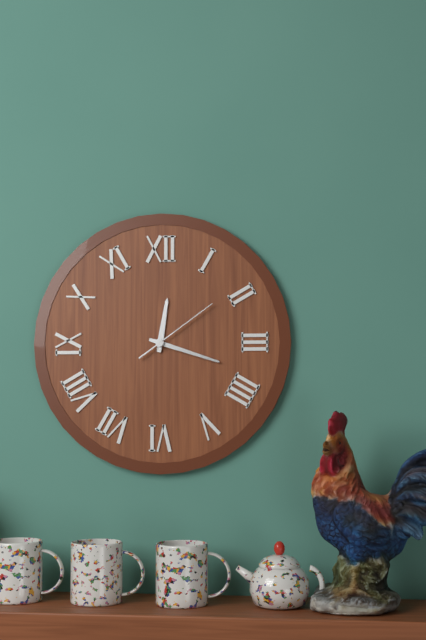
**12:18:09**
